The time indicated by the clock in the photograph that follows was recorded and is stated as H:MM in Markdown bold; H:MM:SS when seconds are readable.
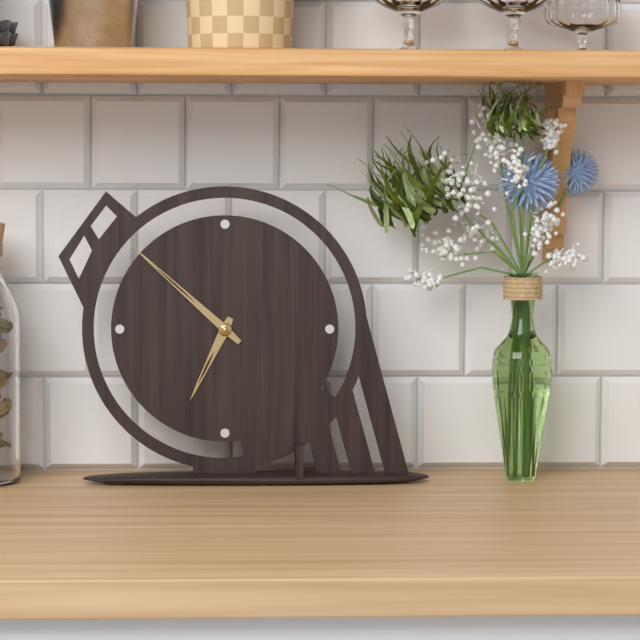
**6:52**
